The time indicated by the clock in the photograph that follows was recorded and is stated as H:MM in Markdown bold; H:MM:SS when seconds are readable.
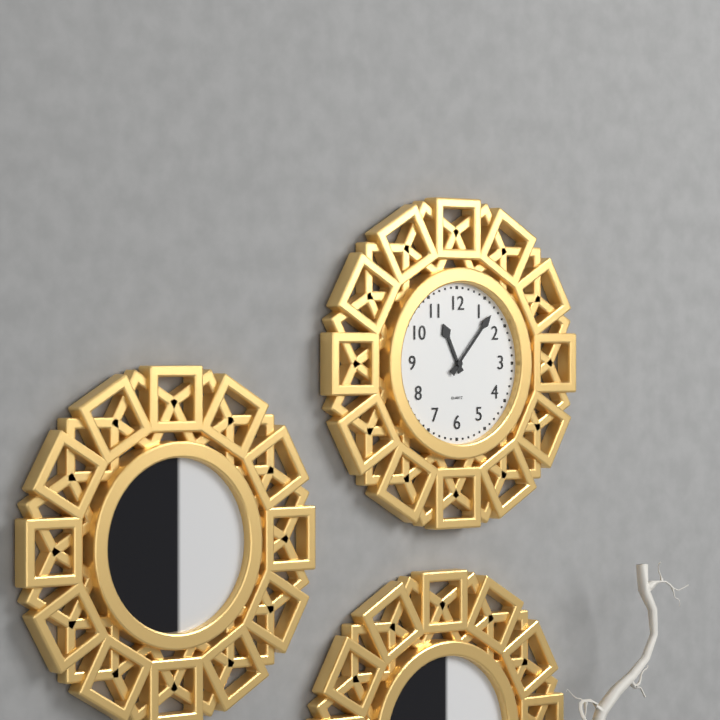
**11:07**
